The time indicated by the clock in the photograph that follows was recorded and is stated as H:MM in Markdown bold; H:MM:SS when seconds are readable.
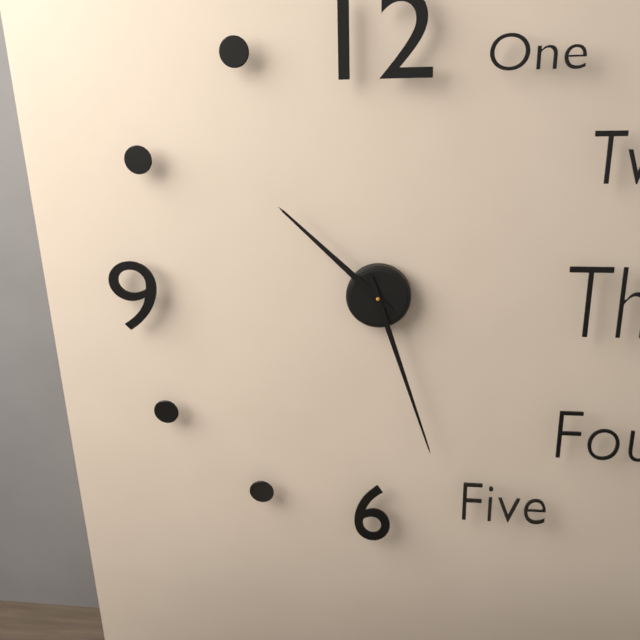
**10:27**
